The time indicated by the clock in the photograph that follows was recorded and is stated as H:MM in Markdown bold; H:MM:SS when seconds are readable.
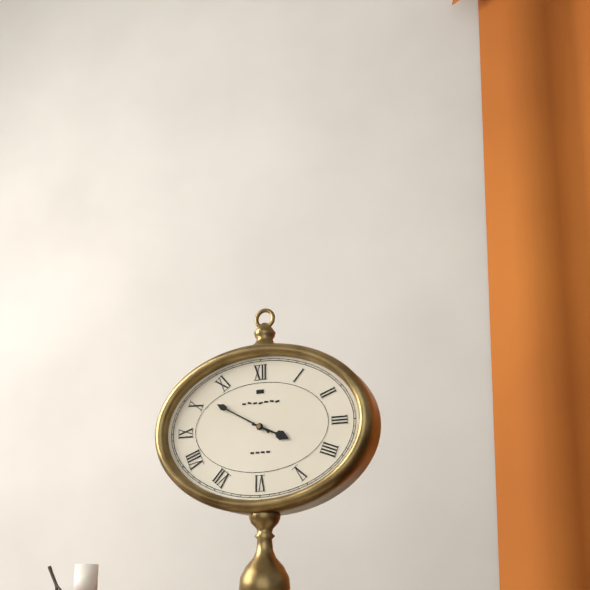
**3:50**
